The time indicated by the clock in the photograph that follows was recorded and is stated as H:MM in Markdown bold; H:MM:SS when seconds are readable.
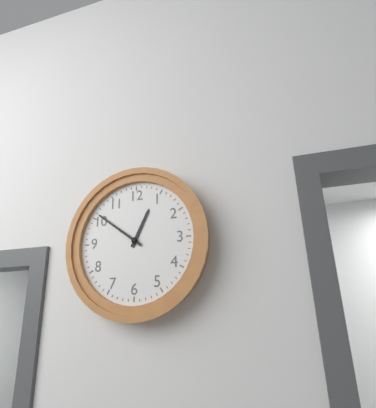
**12:51**
